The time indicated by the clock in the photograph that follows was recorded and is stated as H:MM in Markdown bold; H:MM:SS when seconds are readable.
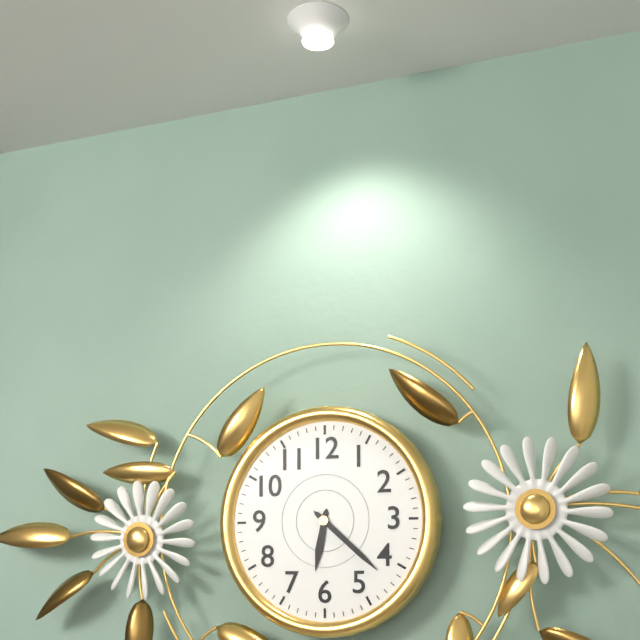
**6:22**
